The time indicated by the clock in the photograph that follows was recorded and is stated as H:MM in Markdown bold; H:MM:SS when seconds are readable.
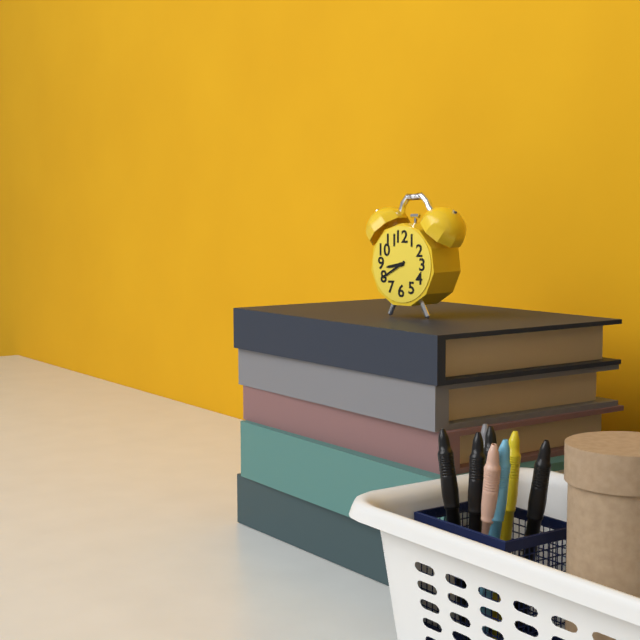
**8:40**
